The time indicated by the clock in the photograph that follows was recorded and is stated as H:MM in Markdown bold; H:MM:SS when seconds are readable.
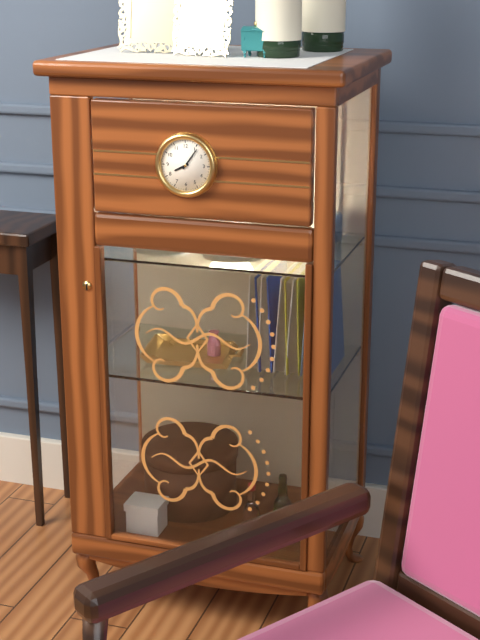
**8:06**
